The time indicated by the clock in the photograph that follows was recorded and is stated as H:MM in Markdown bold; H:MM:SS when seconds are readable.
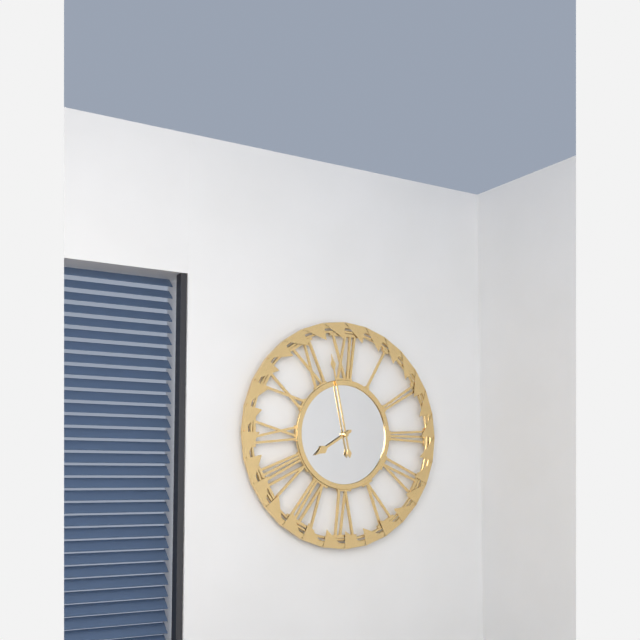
**7:58**
